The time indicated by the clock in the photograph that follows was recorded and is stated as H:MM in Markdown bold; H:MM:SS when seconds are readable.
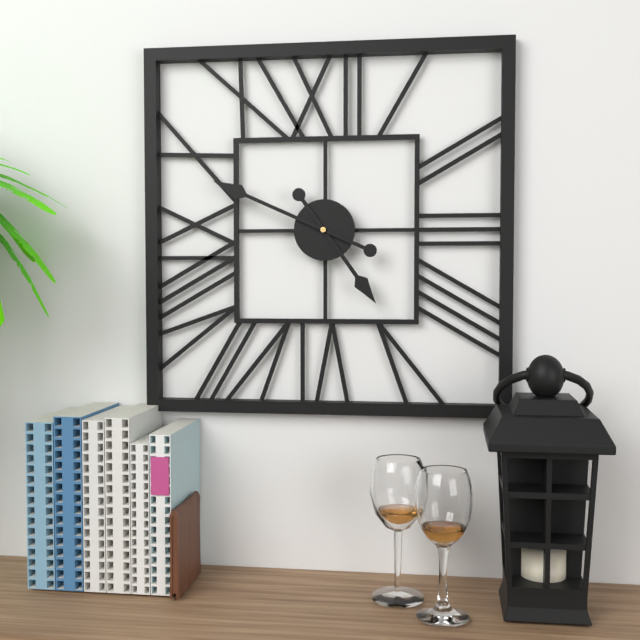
**4:49**
